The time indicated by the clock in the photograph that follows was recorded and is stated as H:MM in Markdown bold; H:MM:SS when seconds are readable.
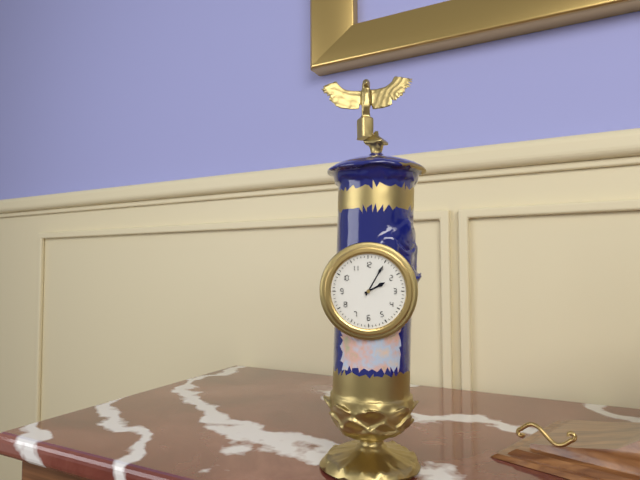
**2:05**
